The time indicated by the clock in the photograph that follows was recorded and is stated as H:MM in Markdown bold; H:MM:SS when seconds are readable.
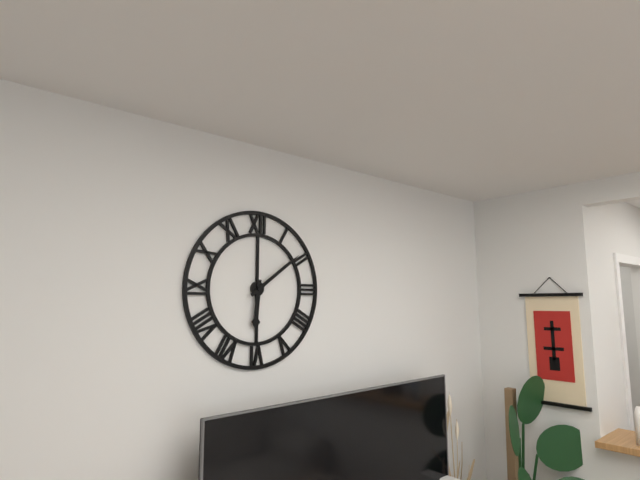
**6:09**
